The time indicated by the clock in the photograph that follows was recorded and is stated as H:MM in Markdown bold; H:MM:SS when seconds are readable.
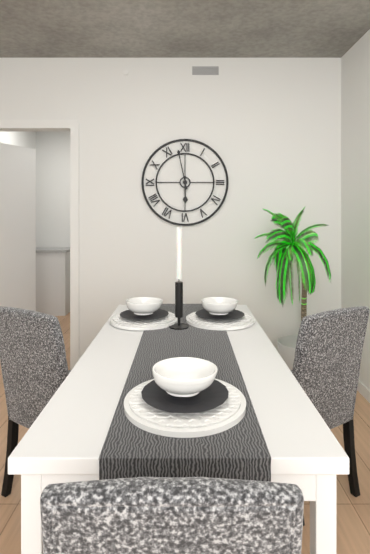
**5:58**
